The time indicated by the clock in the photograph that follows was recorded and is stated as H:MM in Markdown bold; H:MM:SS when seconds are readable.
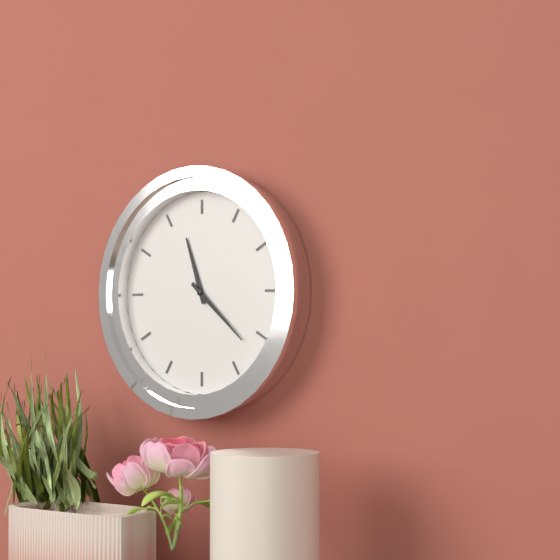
**11:22**
